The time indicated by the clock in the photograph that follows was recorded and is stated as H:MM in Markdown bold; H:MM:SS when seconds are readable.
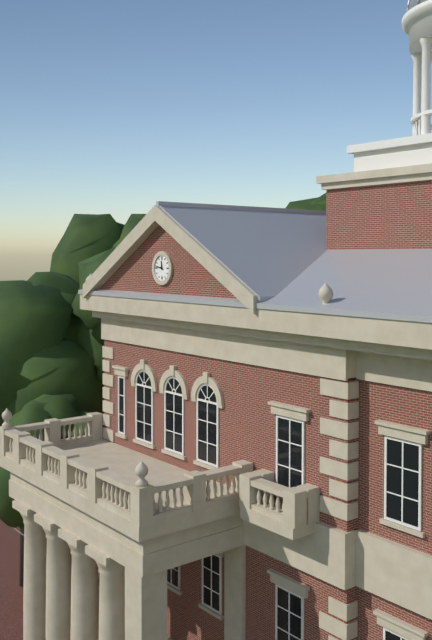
**11:47**
